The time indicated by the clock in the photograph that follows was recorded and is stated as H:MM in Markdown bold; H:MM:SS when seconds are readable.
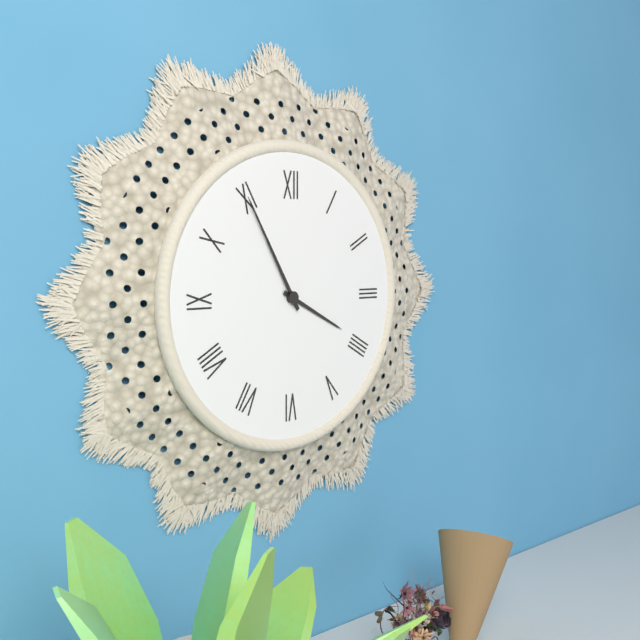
**3:55**
